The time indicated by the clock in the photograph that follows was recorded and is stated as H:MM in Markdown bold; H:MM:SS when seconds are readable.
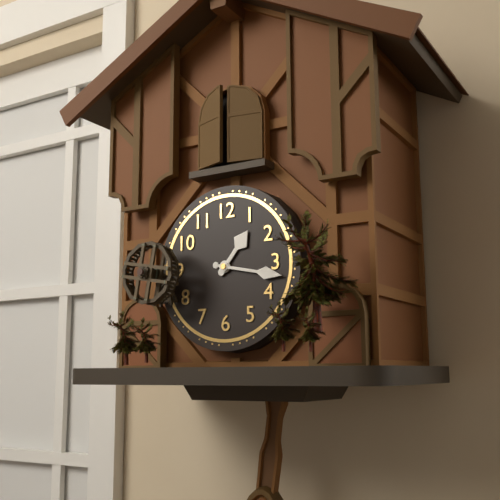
**1:17**
